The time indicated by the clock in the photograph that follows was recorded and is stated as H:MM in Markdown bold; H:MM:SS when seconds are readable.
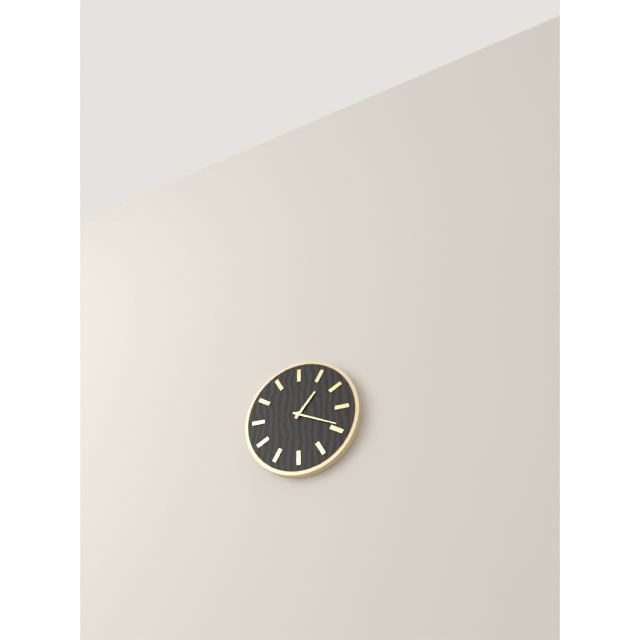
**1:19**
